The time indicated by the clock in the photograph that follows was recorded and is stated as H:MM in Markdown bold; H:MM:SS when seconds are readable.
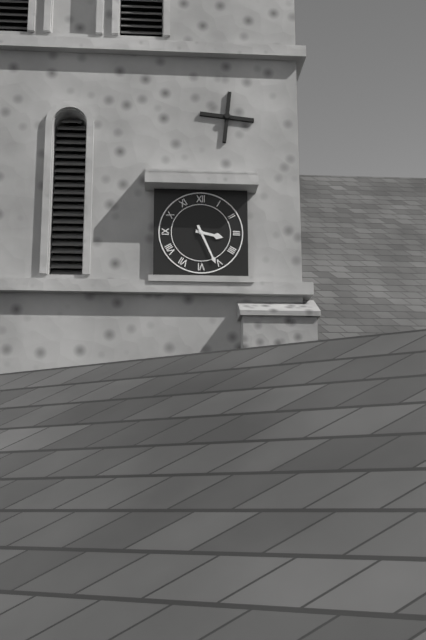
**3:26**
